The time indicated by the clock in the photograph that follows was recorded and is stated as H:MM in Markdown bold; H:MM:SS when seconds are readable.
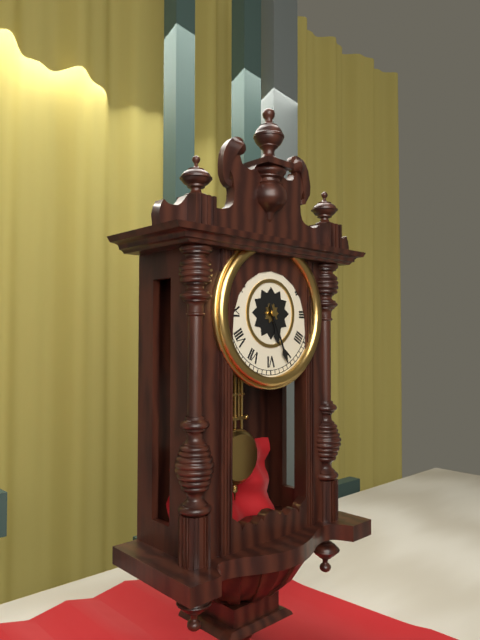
**5:26**
